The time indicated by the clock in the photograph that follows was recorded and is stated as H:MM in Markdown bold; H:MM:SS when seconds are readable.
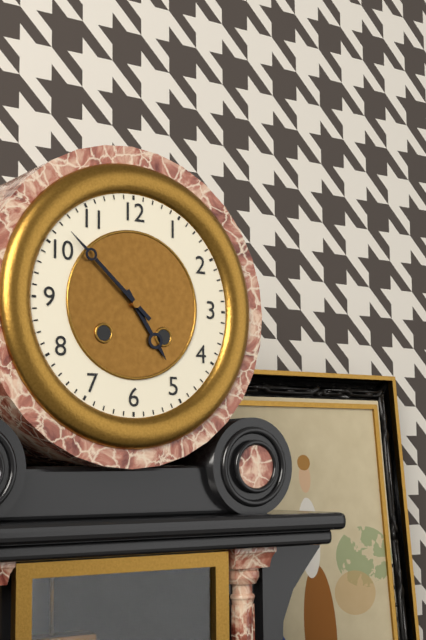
**4:52**
